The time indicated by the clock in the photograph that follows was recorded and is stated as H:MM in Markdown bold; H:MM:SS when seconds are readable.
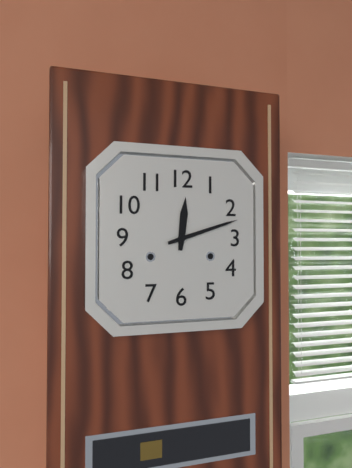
**12:12**
